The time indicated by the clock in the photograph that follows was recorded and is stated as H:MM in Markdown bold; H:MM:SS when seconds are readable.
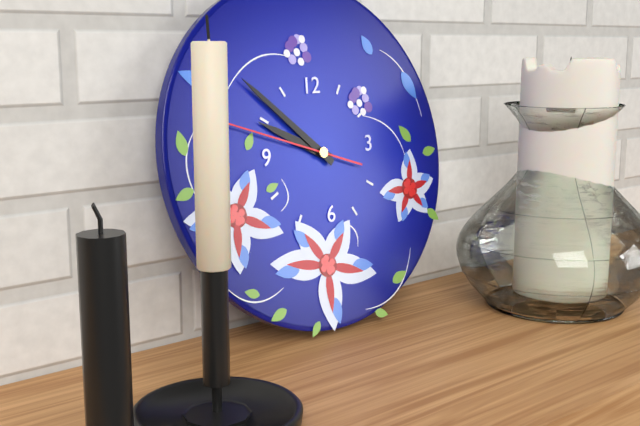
**9:52:48**
